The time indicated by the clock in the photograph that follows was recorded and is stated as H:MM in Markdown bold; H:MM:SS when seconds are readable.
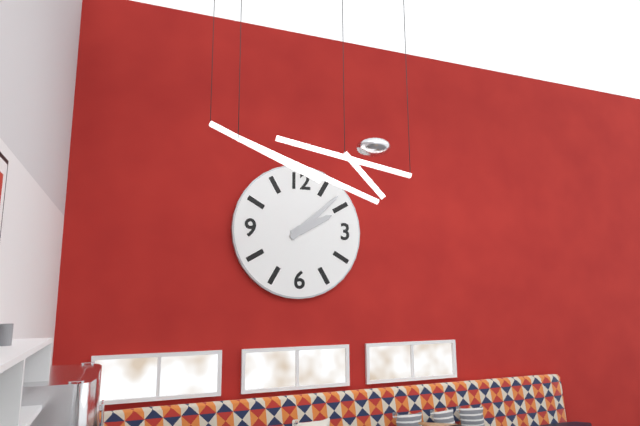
**2:08**
